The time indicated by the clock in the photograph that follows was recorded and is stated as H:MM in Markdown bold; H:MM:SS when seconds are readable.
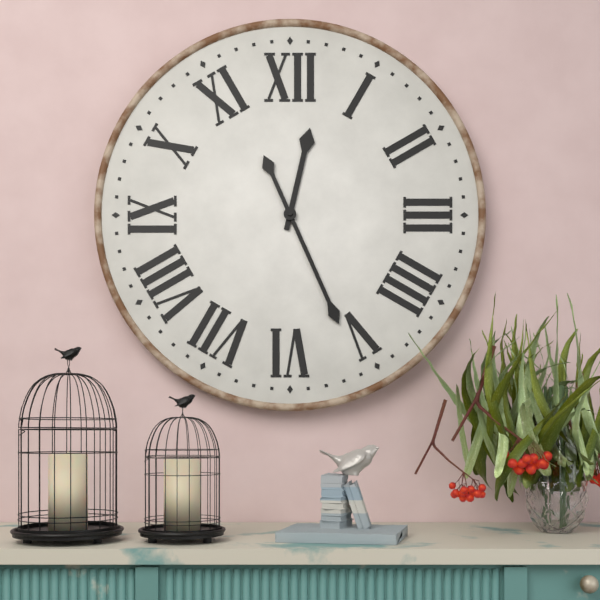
**12:26**
